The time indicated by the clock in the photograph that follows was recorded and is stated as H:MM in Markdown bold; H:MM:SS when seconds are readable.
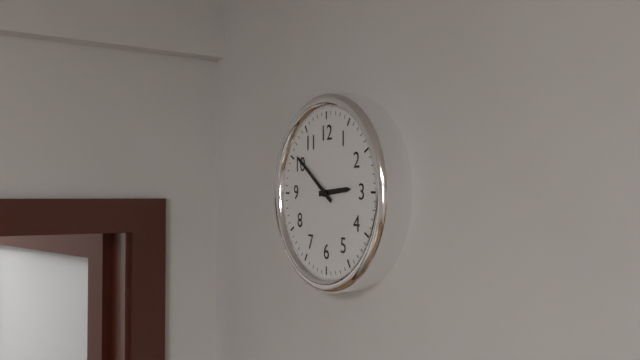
**2:51**
